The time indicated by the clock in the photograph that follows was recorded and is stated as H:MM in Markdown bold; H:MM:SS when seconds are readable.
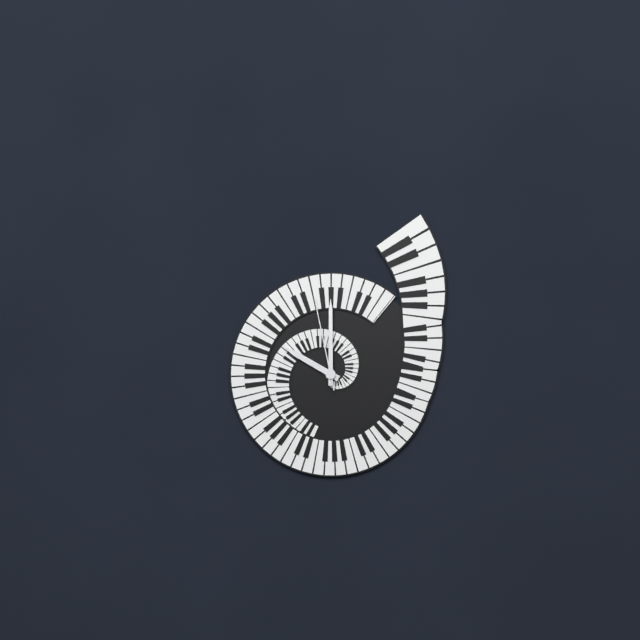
**10:00:58**
